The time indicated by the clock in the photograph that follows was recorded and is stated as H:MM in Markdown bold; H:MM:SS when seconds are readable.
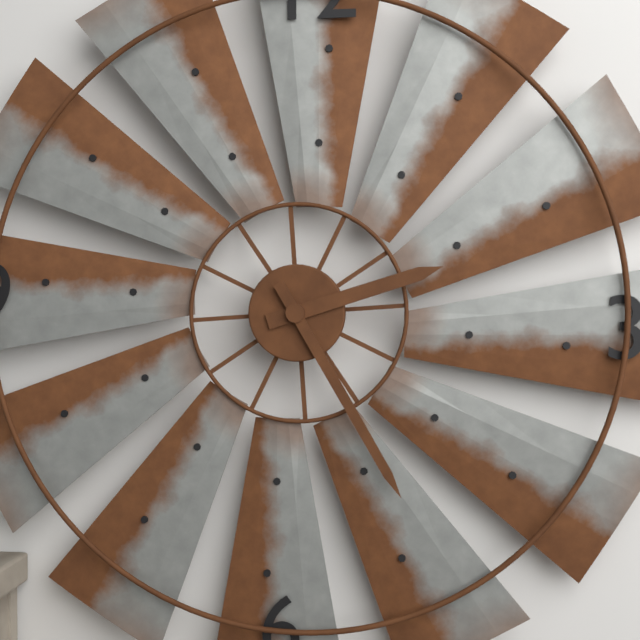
**2:25**
